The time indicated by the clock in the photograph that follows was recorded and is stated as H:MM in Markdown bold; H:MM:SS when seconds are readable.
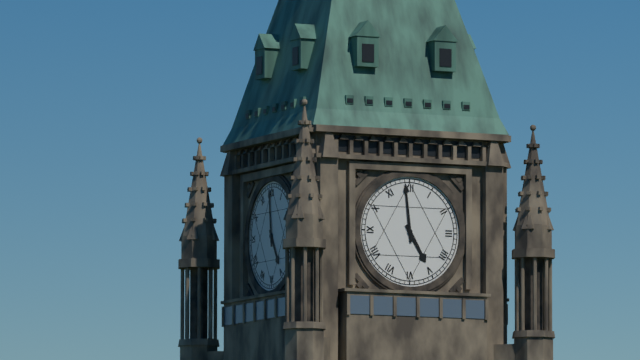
**4:59**
